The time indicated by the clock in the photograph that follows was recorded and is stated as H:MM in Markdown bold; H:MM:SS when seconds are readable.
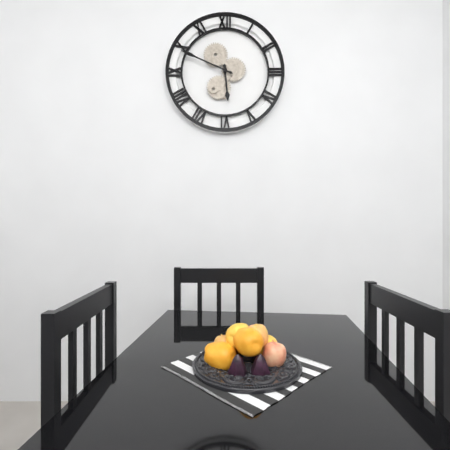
**5:49**
